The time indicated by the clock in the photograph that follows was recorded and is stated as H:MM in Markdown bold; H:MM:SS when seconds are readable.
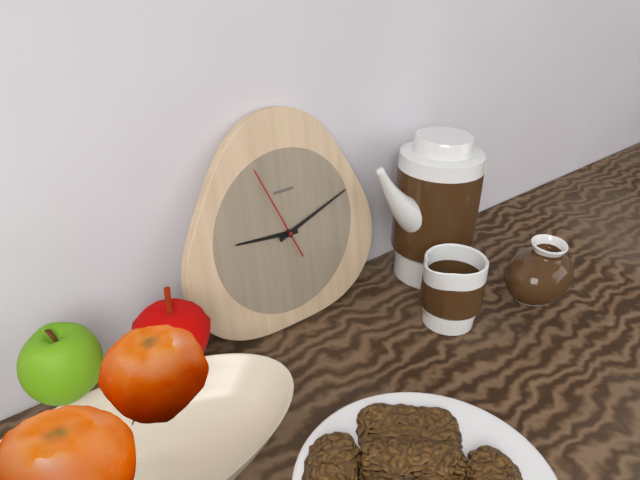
**9:12:56**
